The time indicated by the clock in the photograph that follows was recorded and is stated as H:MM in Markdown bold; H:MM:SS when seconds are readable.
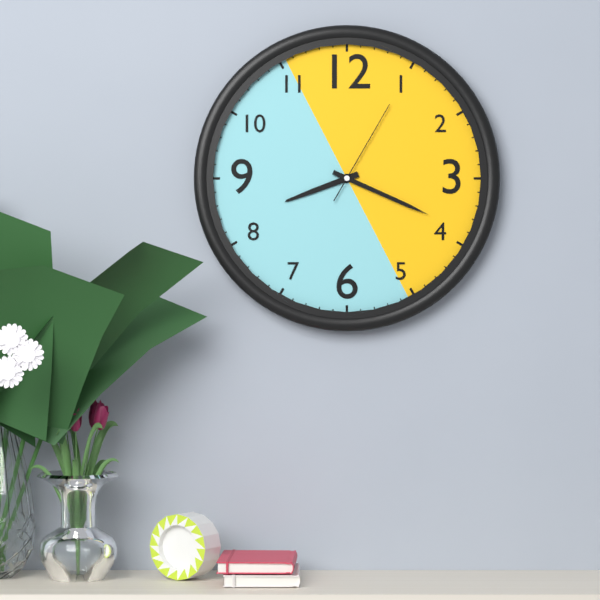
**8:19:05**
